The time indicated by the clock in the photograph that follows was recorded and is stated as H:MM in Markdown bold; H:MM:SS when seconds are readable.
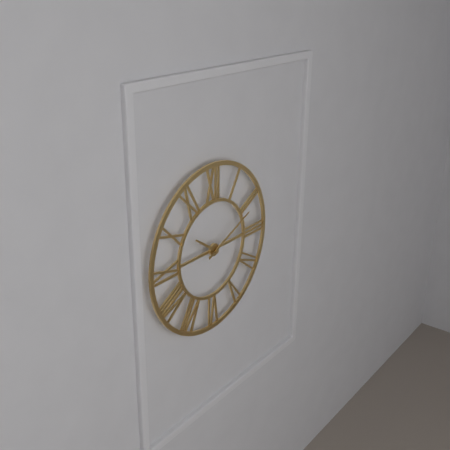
**10:11**
